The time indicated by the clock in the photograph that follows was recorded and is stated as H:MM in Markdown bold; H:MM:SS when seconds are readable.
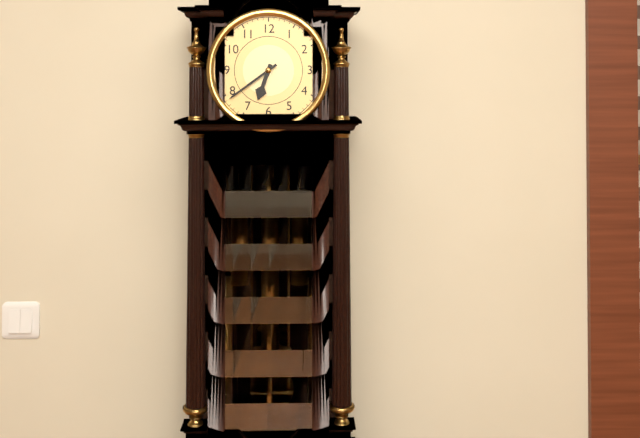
**6:39**
